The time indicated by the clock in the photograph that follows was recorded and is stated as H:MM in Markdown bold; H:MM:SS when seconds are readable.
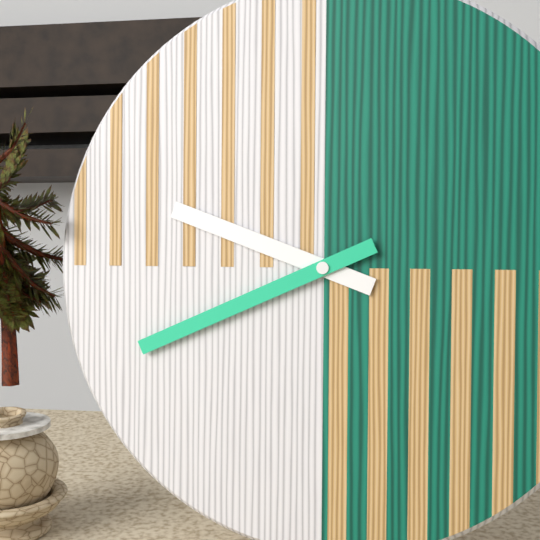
**9:41**
